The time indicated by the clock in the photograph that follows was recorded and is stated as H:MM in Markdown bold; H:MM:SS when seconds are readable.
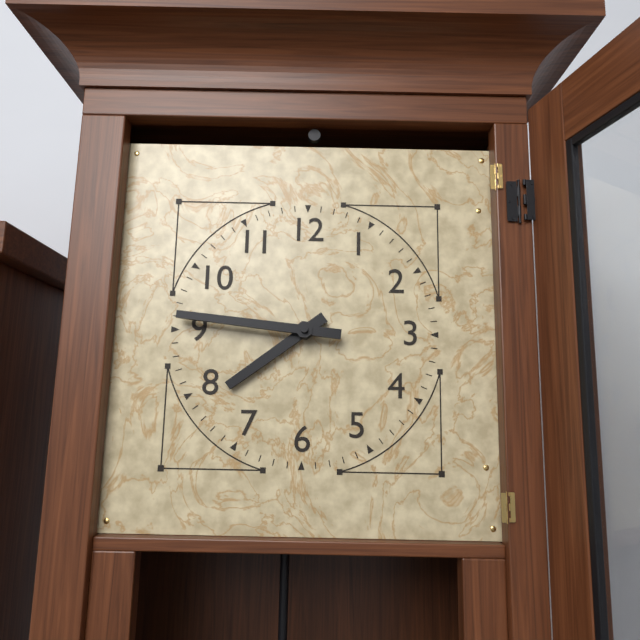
**7:46**
